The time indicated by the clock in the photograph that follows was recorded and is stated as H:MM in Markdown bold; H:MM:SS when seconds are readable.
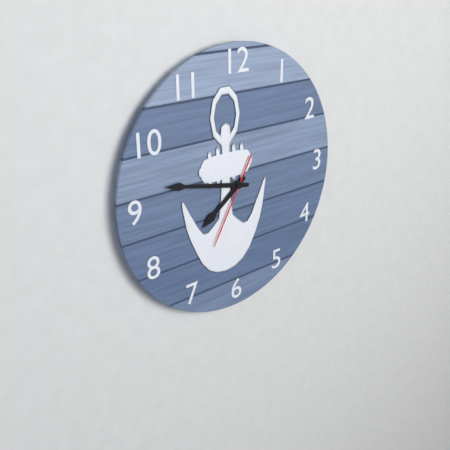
**7:47:35**
